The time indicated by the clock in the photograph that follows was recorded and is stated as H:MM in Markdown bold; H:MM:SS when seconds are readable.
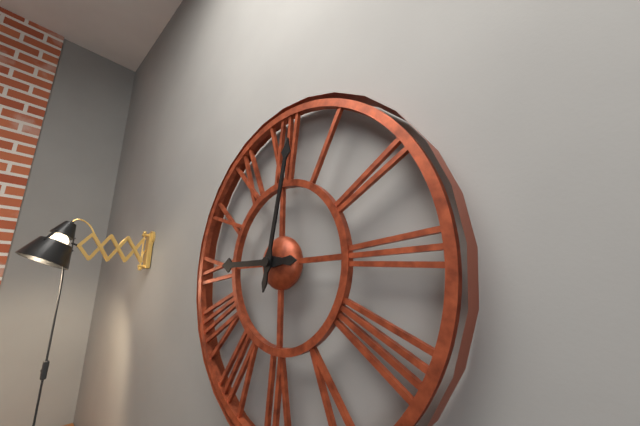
**9:02**
